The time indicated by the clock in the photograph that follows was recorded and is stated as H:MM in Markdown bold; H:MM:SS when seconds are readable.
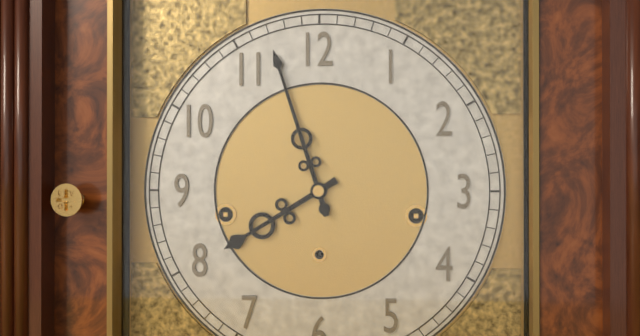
**7:57**
